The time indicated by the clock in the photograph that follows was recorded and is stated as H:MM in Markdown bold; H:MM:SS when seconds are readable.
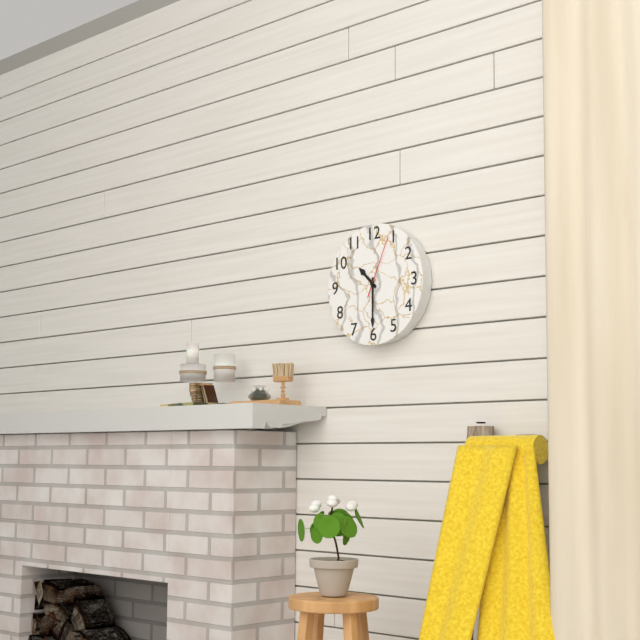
**10:30:04**
